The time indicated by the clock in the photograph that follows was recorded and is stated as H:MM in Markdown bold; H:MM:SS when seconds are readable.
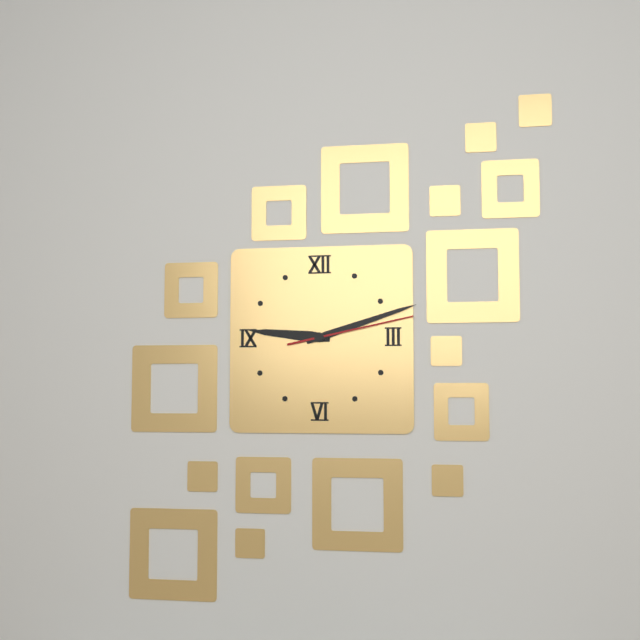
**9:12:13**
